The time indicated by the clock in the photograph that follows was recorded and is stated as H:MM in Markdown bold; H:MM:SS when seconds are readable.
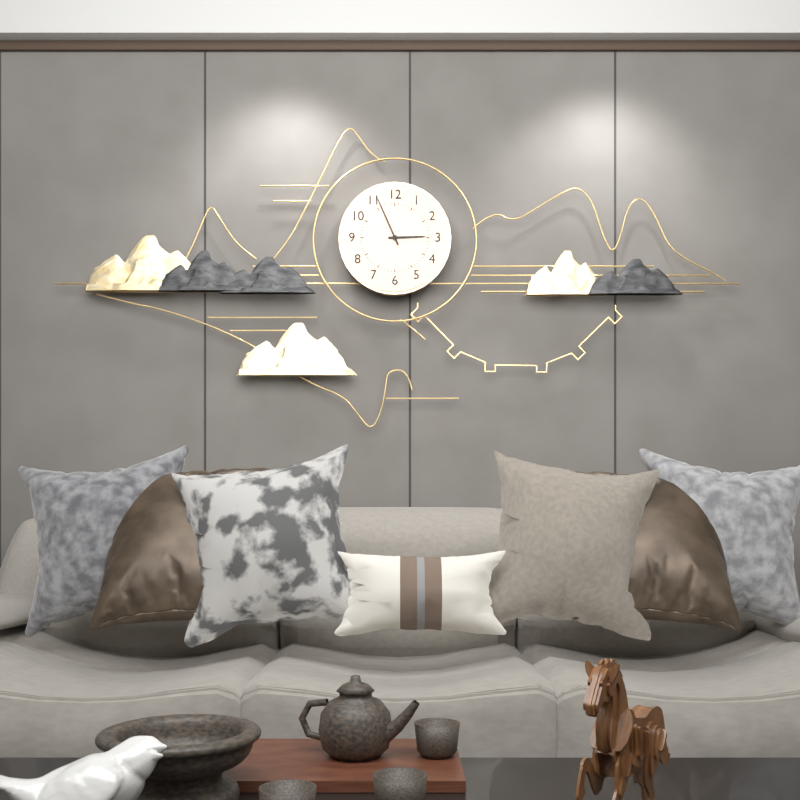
**2:56**
